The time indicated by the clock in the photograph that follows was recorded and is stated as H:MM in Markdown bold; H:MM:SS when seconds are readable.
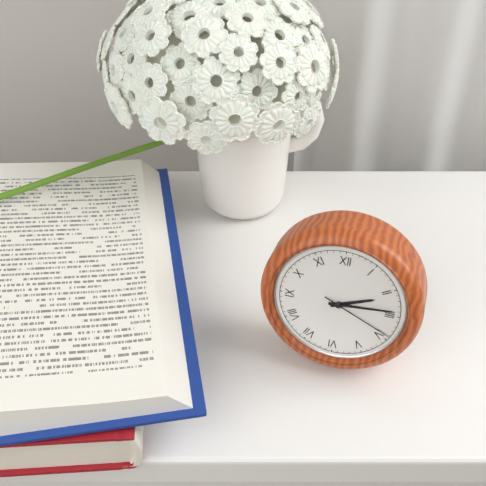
**2:14:19**
